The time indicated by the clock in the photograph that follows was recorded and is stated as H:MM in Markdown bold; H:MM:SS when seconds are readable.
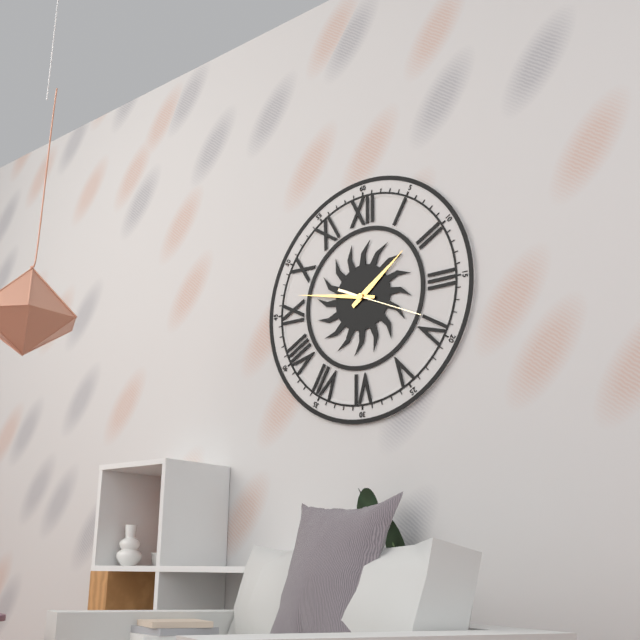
**1:47:19**
